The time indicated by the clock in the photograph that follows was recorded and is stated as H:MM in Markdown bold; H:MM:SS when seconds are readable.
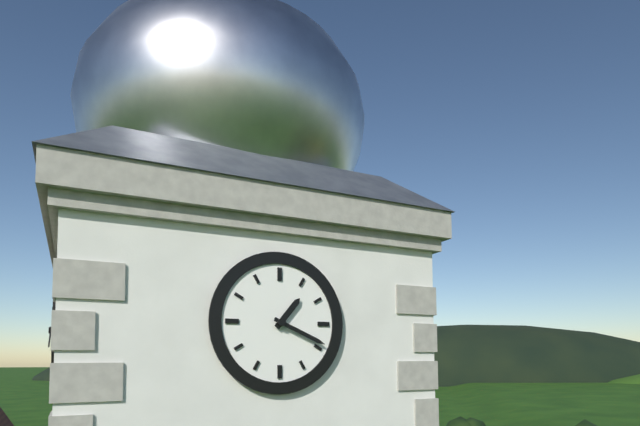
**1:19**
